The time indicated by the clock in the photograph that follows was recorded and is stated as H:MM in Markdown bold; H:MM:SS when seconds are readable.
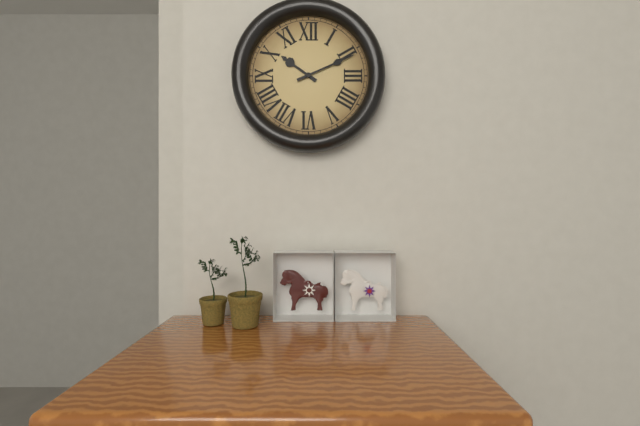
**10:11**
